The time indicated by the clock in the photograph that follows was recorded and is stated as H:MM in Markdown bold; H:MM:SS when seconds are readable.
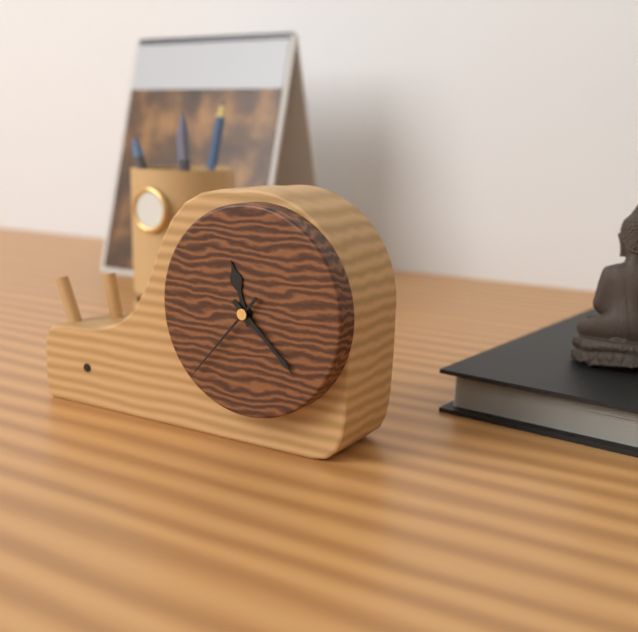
**11:22:37**
